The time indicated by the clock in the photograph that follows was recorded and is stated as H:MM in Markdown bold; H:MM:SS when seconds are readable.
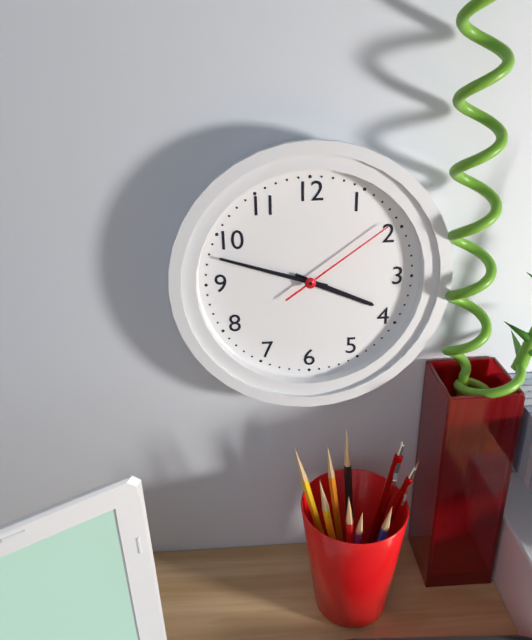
**3:48:09**
